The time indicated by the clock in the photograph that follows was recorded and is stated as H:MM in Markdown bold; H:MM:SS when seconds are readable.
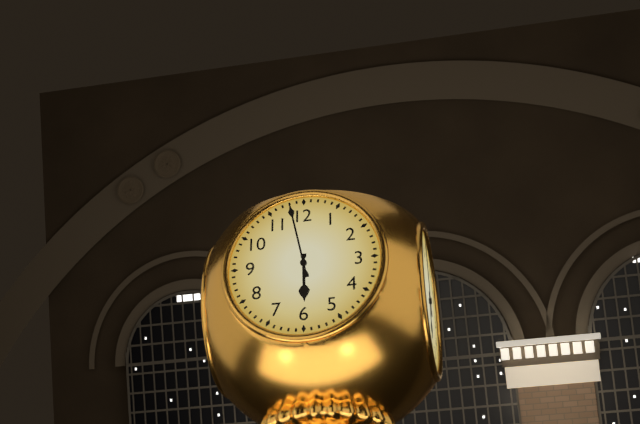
**5:58**
